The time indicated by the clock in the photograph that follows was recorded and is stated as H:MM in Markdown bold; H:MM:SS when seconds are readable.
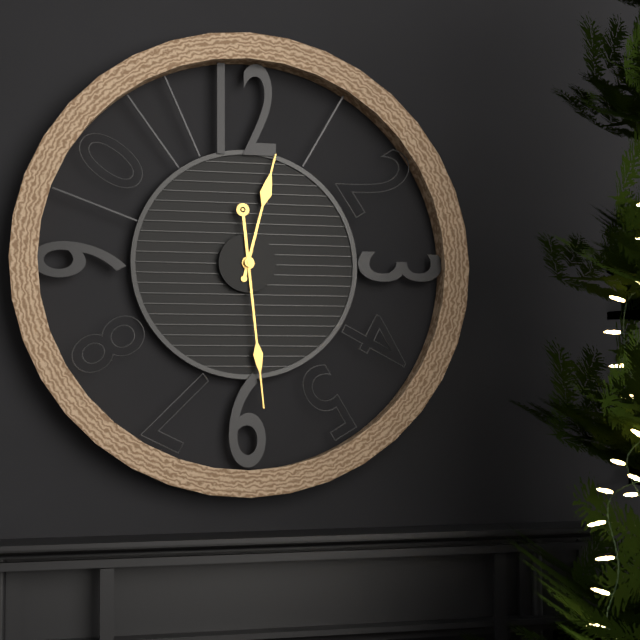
**12:29**
